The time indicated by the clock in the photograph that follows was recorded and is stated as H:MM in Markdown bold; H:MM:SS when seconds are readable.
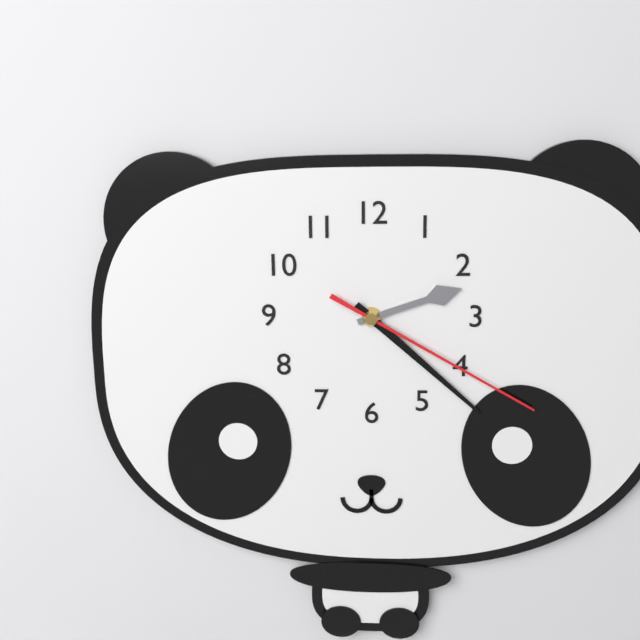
**2:22:20**
